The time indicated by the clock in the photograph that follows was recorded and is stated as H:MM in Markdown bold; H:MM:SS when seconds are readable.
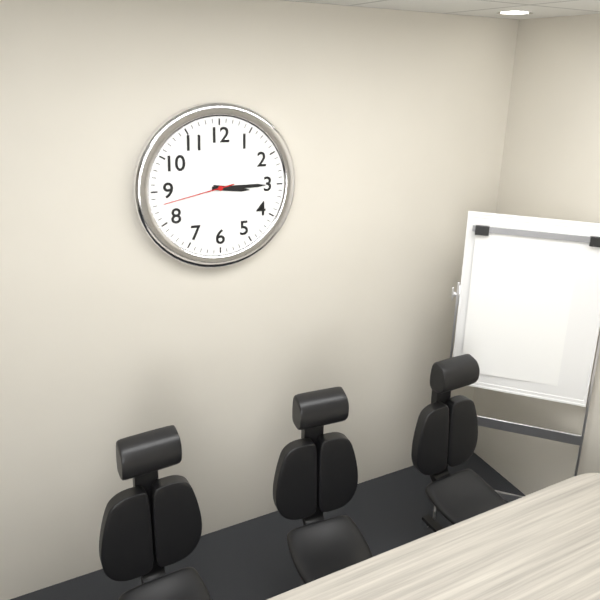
**3:15:43**
